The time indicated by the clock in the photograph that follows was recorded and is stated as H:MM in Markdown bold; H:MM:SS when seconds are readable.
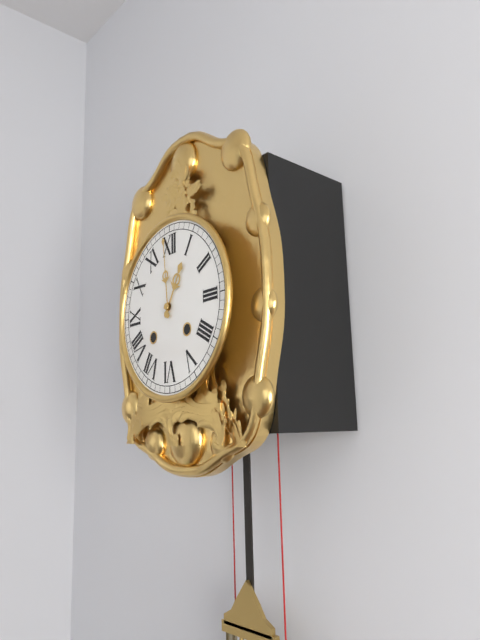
**12:59**
